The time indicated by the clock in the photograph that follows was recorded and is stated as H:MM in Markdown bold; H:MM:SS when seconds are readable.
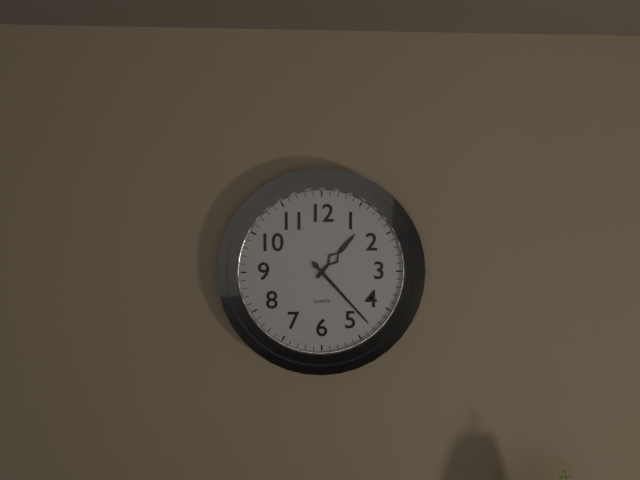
**1:23**
